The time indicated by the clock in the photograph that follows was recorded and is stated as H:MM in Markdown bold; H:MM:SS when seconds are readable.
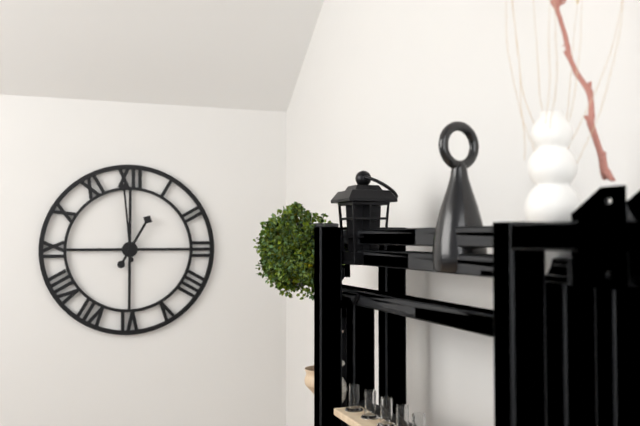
**12:59**
